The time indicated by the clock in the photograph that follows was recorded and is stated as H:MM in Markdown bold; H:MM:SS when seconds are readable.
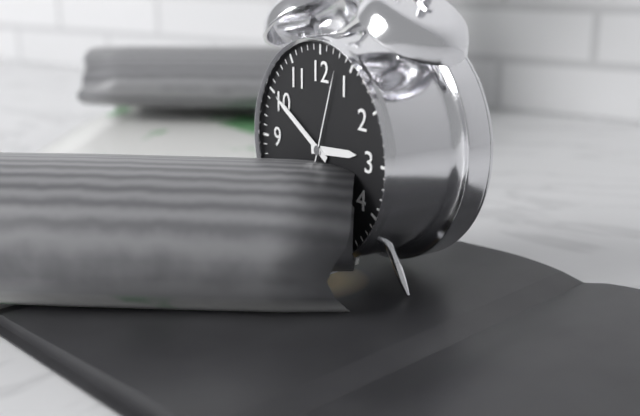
**2:50:03**
